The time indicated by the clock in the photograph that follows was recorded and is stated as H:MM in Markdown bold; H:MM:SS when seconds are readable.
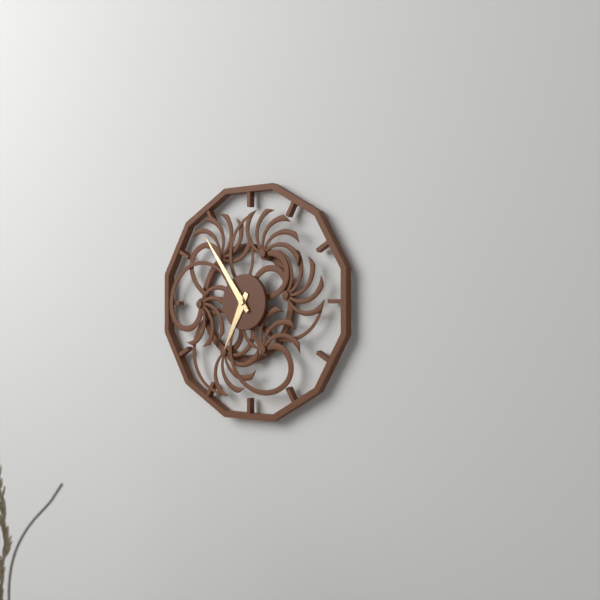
**6:54**
